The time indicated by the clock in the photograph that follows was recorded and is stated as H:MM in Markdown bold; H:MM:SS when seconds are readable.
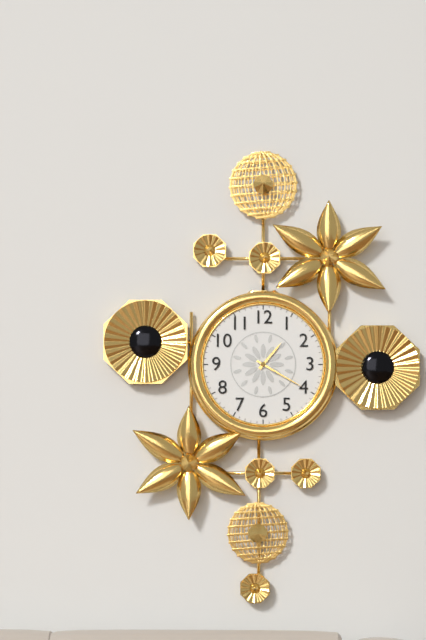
**1:20**
